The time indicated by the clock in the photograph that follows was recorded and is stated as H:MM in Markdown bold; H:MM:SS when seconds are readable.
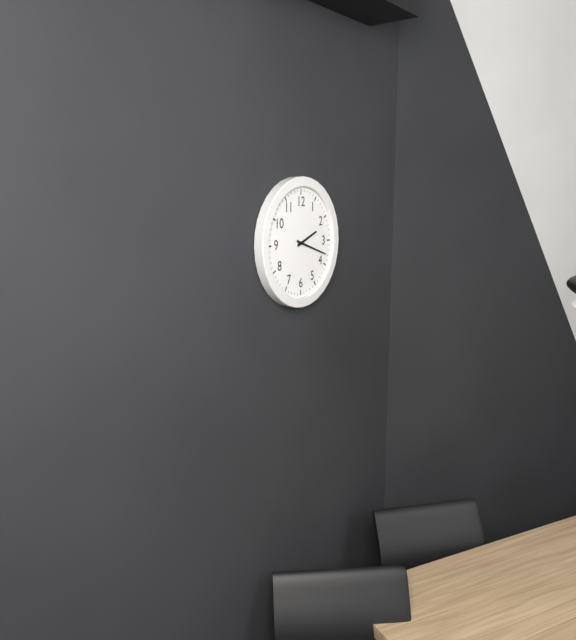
**2:18**
